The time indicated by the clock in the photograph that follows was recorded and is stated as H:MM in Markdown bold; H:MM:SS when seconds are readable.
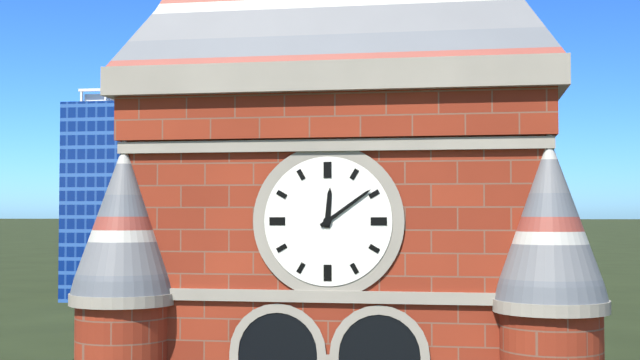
**12:09**
